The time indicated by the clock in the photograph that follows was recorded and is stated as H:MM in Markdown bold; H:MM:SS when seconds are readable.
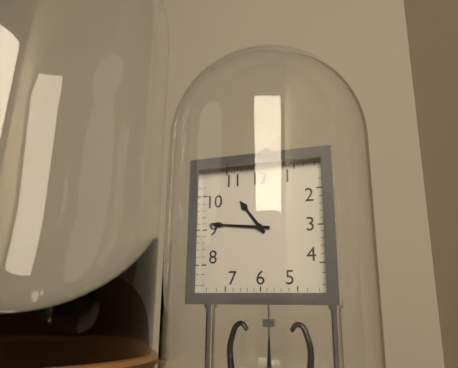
**10:46**
